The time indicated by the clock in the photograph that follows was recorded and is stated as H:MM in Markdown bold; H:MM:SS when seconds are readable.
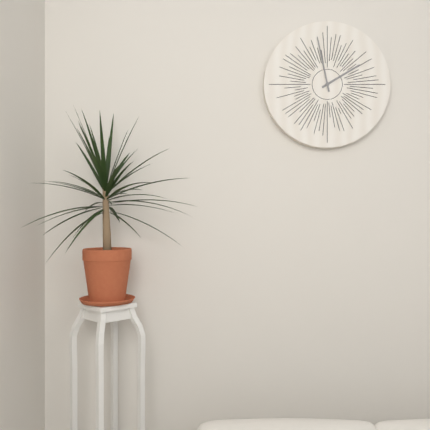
**1:58**
